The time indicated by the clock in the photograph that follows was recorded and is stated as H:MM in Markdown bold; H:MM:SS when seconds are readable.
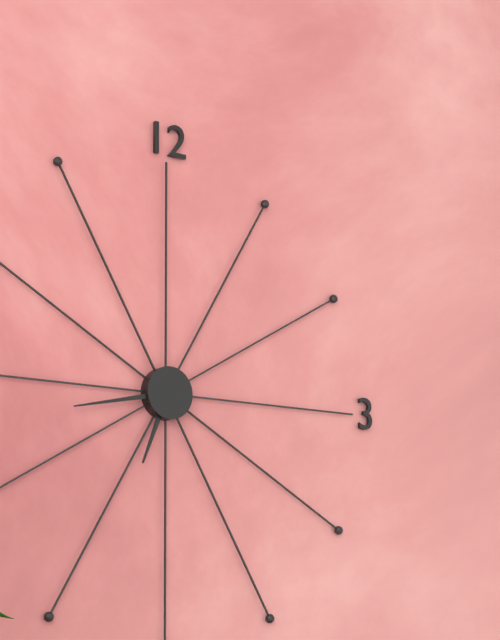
**6:43**
